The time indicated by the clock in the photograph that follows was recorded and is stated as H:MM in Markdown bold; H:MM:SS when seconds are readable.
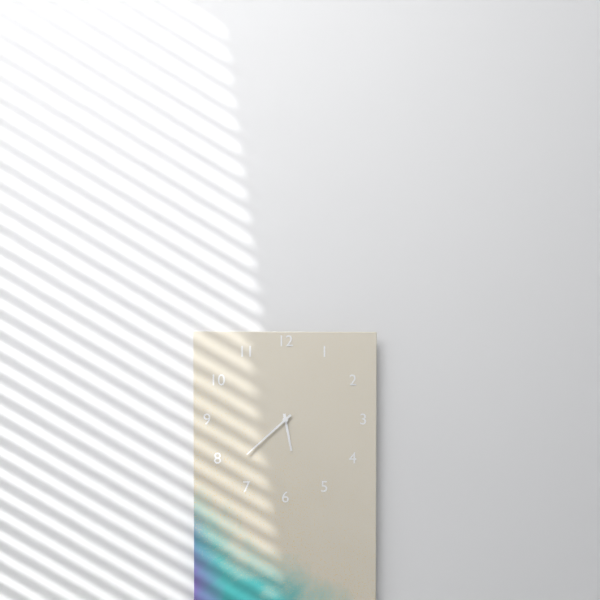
**5:38**
